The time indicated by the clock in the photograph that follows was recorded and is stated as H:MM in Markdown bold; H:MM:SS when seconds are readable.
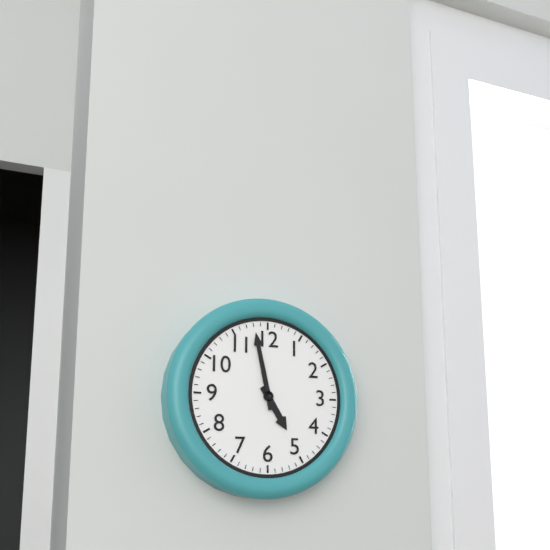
**4:58**
